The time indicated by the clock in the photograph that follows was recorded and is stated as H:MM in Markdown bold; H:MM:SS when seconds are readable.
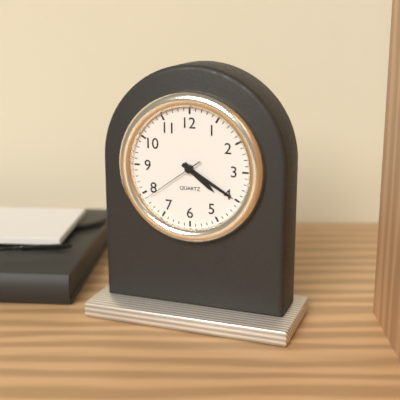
**4:20:39**
